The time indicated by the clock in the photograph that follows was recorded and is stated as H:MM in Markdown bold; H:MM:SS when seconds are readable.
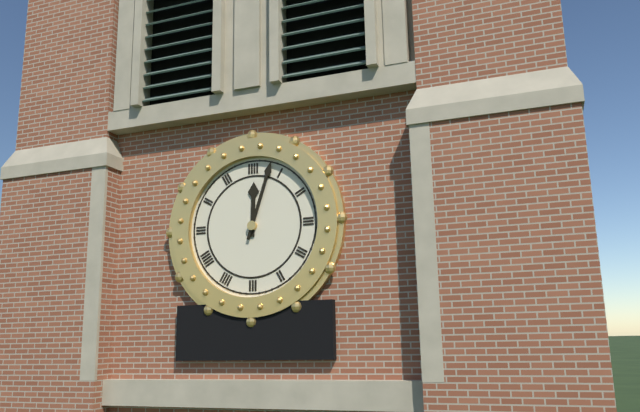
**12:03**
